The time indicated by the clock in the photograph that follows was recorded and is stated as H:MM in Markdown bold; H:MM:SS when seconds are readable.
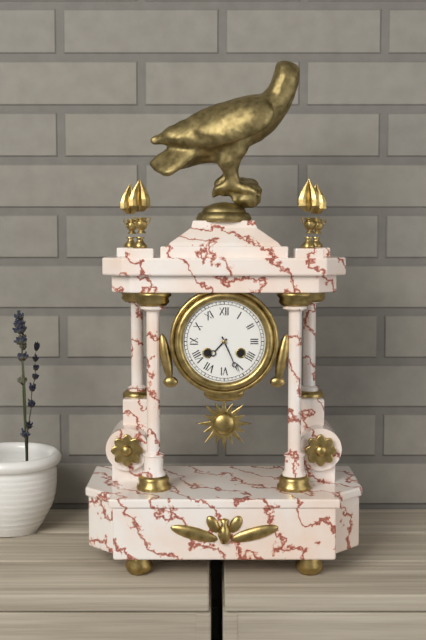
**7:26**
